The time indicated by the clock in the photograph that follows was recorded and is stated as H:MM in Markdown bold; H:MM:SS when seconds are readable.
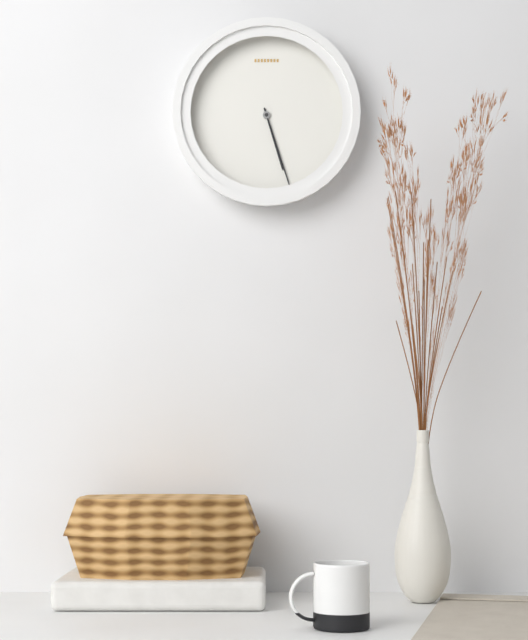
**5:27**
